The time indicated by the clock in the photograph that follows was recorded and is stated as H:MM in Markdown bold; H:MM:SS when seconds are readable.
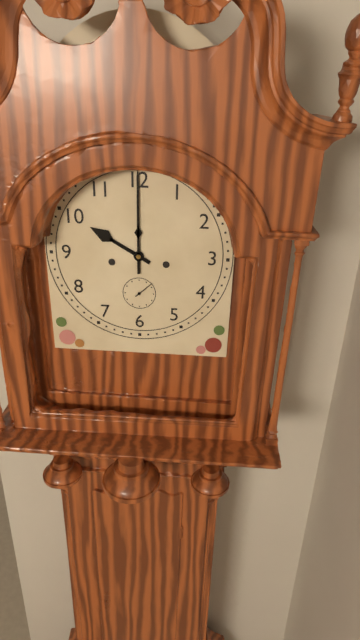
**10:00**
